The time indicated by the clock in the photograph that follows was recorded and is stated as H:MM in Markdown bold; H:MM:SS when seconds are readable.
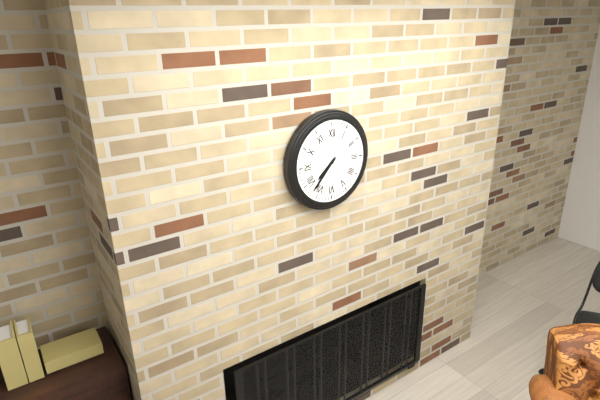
**7:37**
